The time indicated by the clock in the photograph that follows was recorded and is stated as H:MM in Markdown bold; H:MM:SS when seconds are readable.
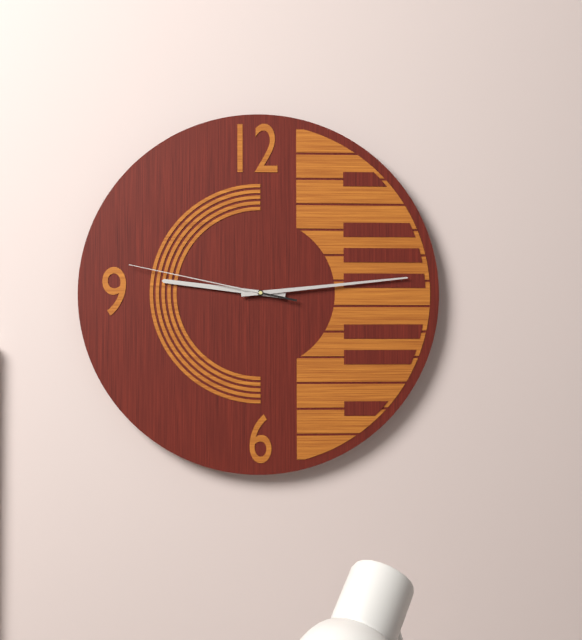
**9:14:47**
